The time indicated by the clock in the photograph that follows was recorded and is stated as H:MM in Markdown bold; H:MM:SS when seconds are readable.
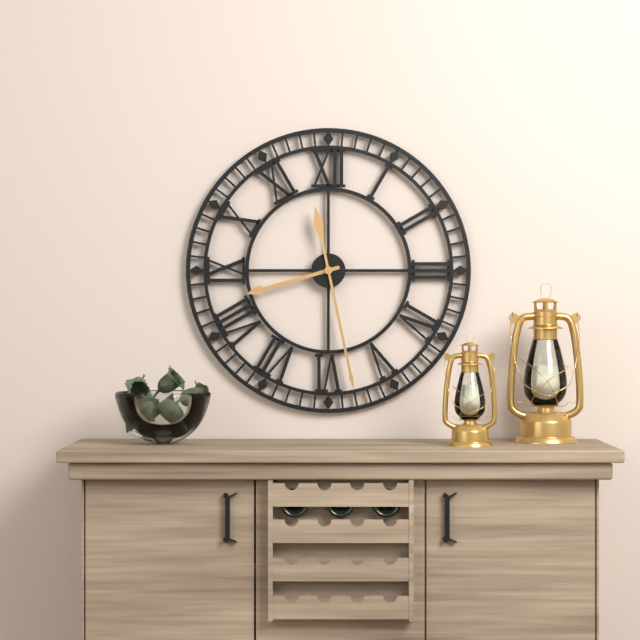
**8:28**
